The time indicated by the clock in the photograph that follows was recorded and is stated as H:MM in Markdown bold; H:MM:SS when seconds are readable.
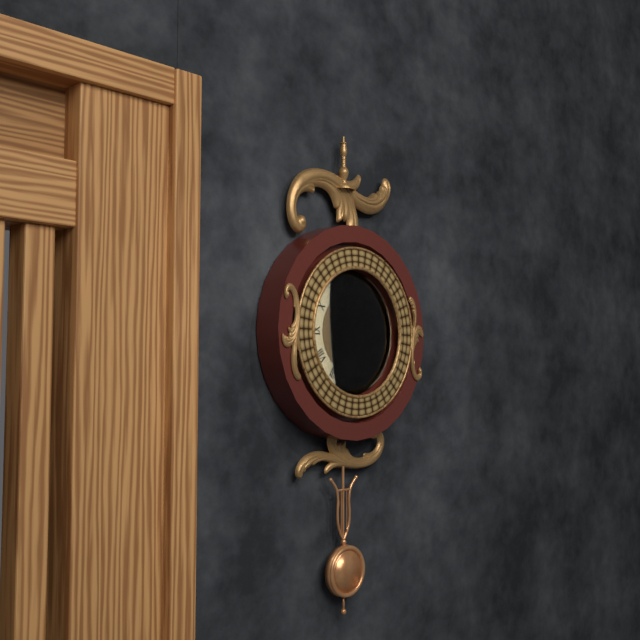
**4:26:56**
